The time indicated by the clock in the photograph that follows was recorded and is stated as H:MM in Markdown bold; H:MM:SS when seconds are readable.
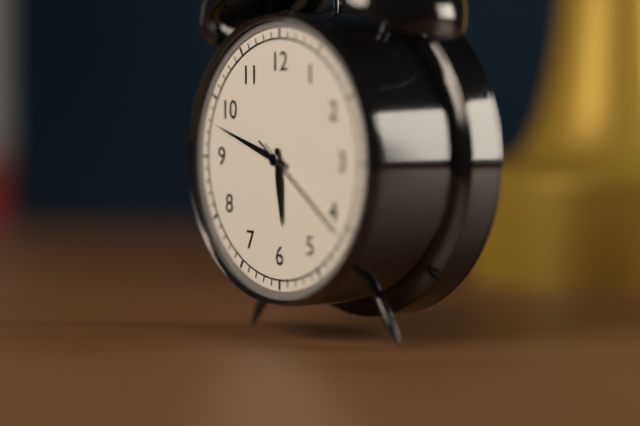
**5:48:21**
